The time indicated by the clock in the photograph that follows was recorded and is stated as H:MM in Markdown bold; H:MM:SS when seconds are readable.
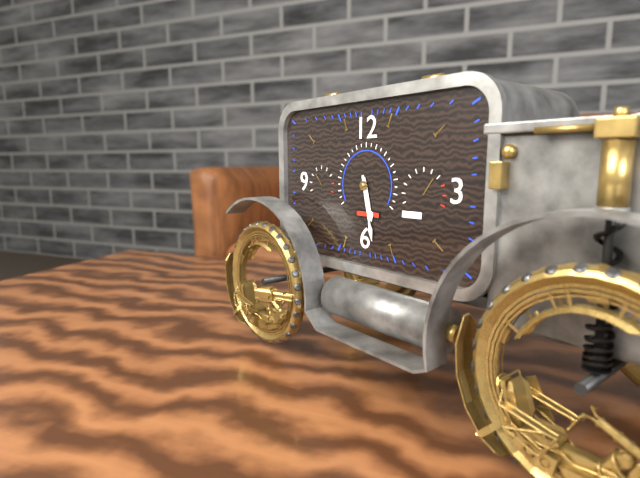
**5:28**
